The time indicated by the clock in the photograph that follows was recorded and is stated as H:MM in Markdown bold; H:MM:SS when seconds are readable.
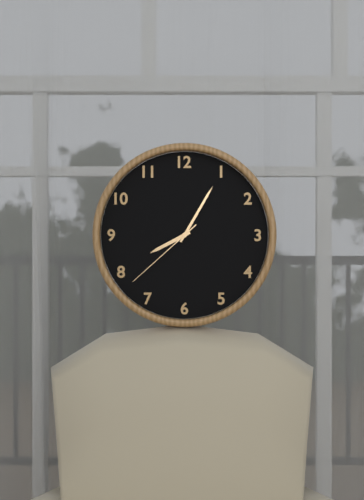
**8:05:38**
